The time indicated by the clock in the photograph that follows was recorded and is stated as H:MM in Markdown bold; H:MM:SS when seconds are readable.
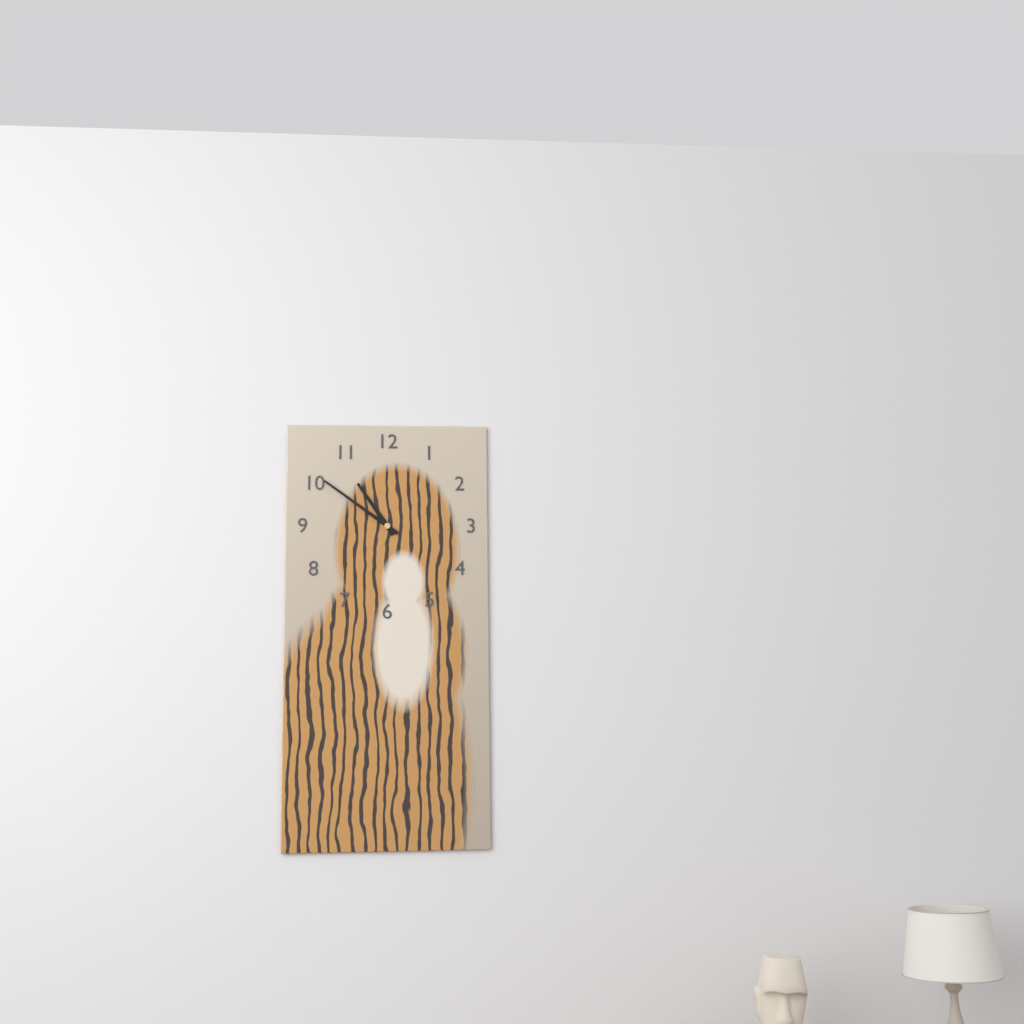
**10:51**
